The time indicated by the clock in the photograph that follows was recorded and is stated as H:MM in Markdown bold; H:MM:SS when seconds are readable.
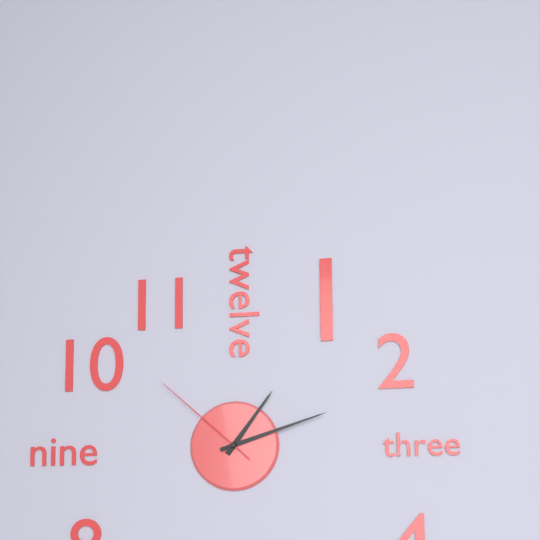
**1:12:52**
